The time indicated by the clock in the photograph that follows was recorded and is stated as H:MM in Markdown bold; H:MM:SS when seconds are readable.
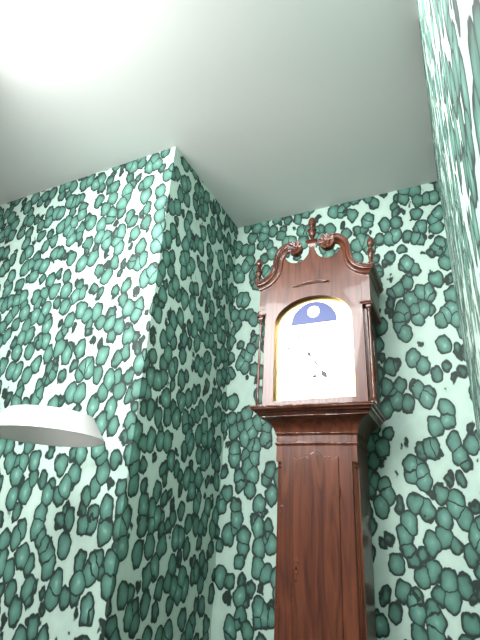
**4:54**
